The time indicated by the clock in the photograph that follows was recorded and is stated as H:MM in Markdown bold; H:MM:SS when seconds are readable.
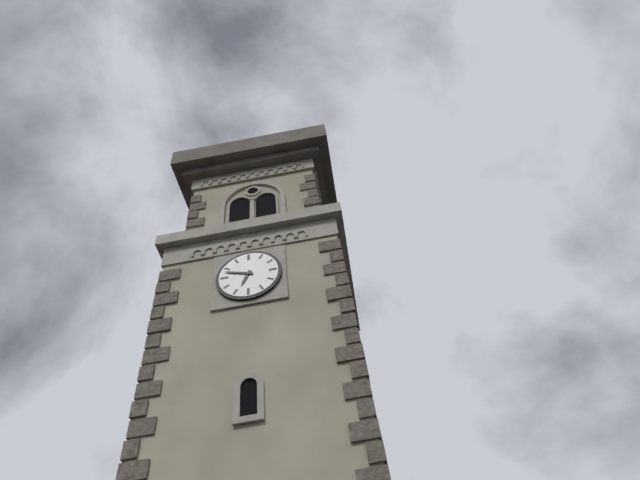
**6:48**
